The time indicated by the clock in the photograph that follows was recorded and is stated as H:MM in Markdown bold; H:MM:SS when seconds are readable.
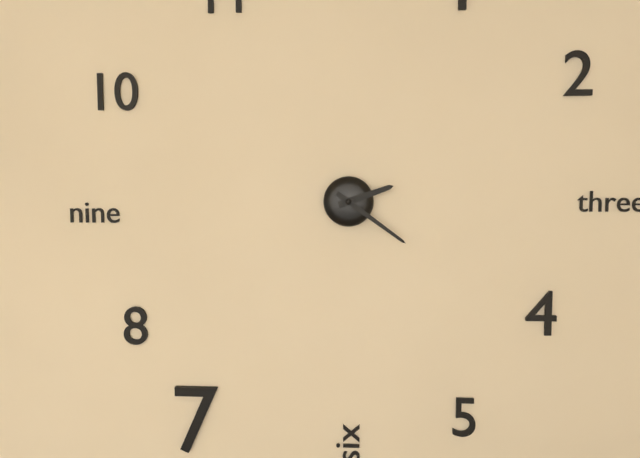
**2:21**
